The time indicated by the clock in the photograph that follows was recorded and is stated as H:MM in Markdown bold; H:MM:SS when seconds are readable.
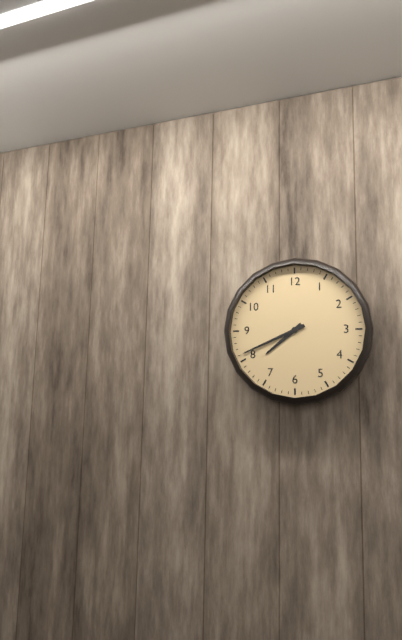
**7:41**
